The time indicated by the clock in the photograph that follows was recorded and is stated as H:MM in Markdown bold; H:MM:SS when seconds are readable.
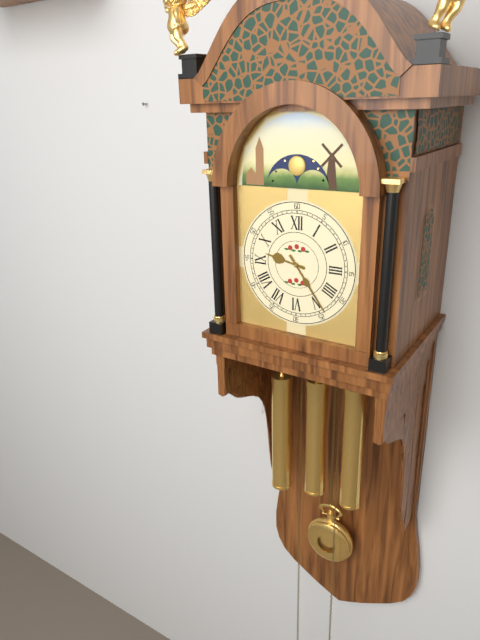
**9:24**
